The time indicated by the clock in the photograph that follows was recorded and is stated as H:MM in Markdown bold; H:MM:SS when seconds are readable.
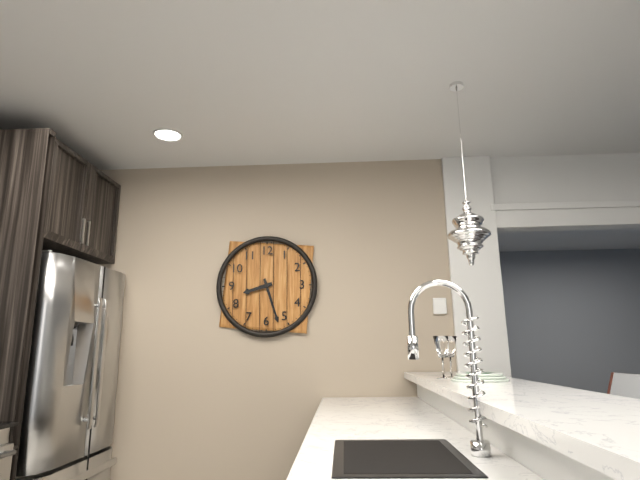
**8:27**
